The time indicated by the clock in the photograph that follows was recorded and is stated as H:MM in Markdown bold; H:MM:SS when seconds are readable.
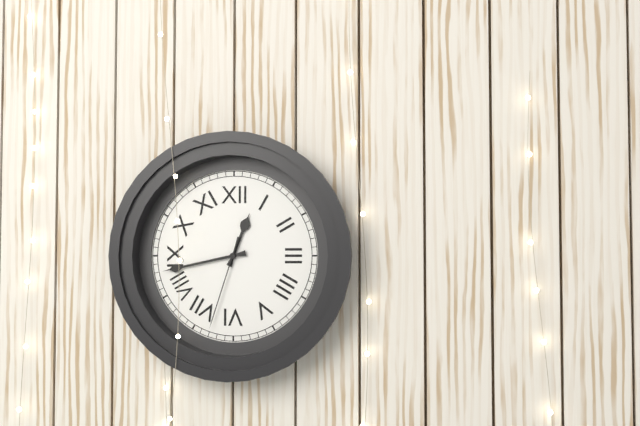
**12:43:33**
